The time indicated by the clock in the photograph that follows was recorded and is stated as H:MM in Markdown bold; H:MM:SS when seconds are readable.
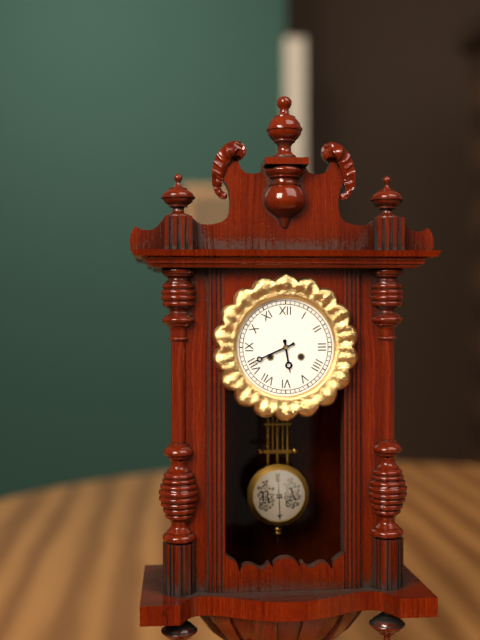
**5:41**
